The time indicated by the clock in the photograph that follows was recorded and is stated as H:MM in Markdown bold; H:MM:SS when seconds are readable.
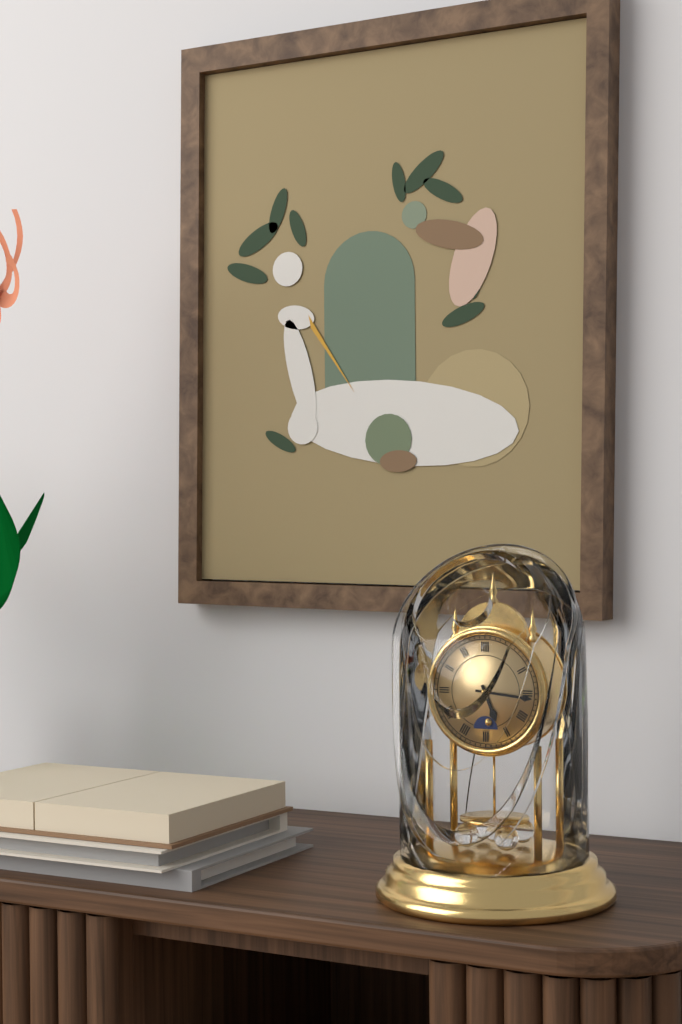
**5:16**
